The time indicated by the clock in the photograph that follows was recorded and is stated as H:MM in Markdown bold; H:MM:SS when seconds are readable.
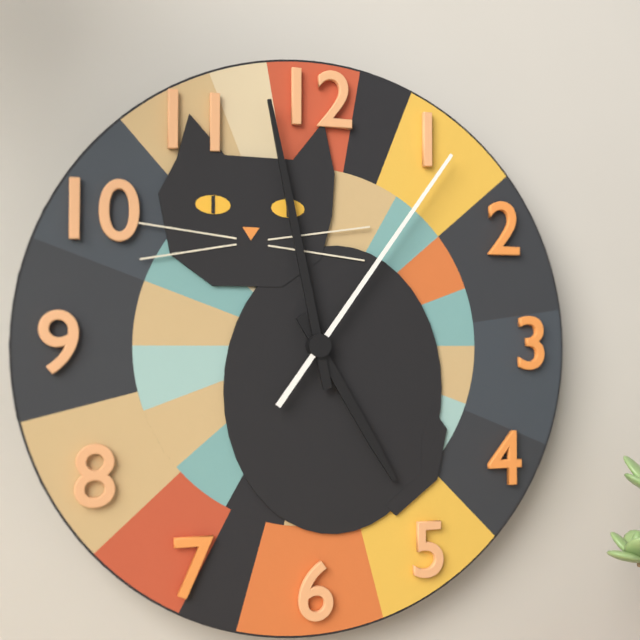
**4:58:06**
